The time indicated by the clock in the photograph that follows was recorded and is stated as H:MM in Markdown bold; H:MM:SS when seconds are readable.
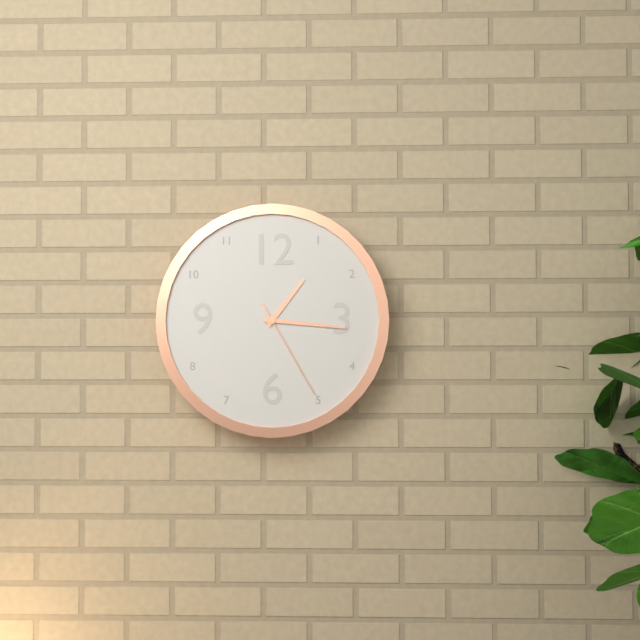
**1:16:25**
